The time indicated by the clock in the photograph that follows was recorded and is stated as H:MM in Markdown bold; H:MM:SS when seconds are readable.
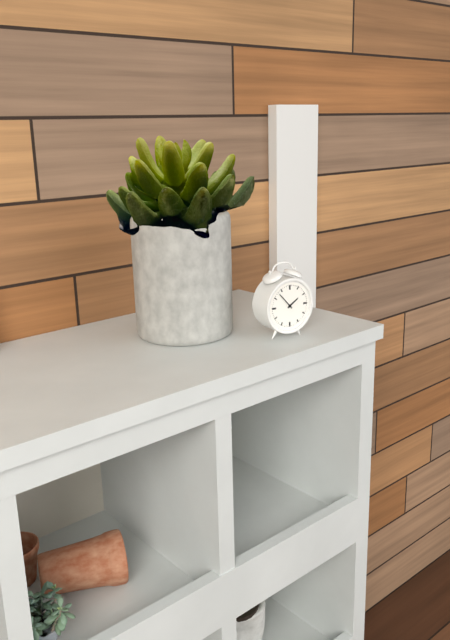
**1:53**
